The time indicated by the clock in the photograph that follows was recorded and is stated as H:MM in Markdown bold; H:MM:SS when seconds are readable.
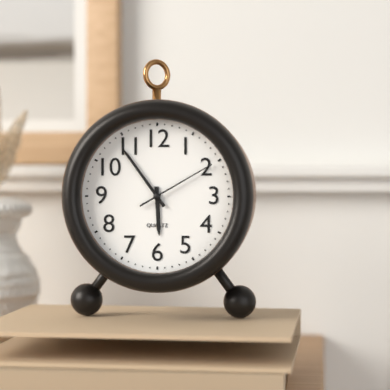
**5:54:10**
